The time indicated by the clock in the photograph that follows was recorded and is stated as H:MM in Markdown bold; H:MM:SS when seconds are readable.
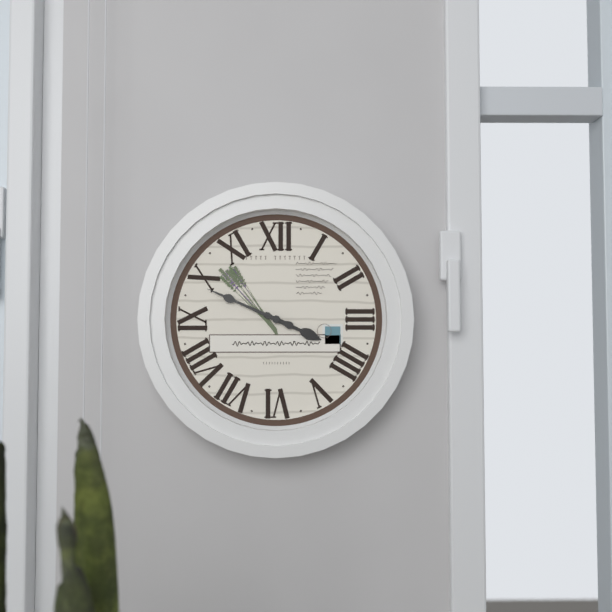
**3:49**
